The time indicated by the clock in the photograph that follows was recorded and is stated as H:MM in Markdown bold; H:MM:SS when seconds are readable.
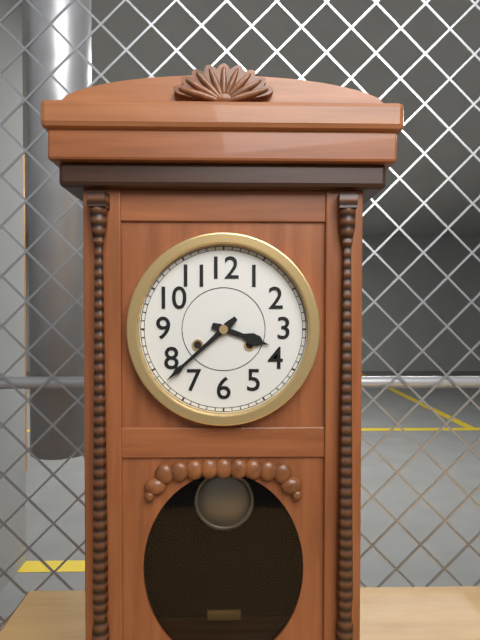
**3:38**
